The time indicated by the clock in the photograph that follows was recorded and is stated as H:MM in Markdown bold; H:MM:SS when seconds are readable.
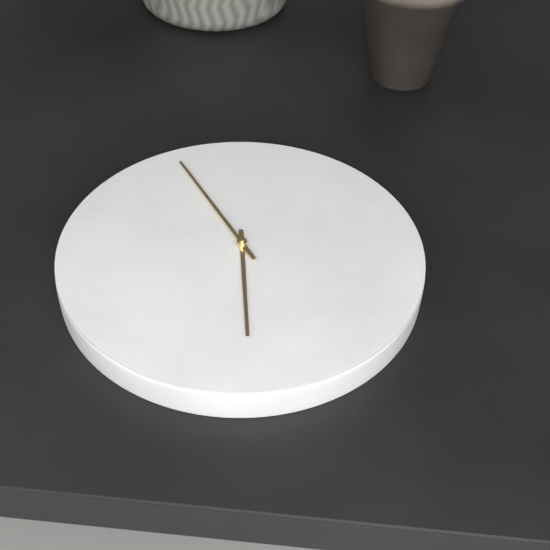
**7:01**
